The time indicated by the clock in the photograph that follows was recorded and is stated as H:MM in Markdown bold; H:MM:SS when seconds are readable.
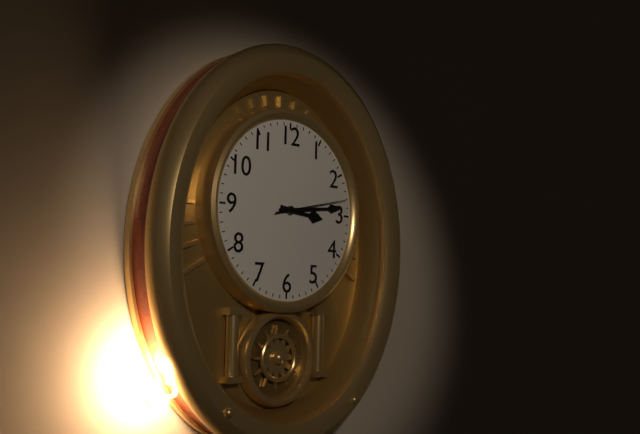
**3:14:13**
